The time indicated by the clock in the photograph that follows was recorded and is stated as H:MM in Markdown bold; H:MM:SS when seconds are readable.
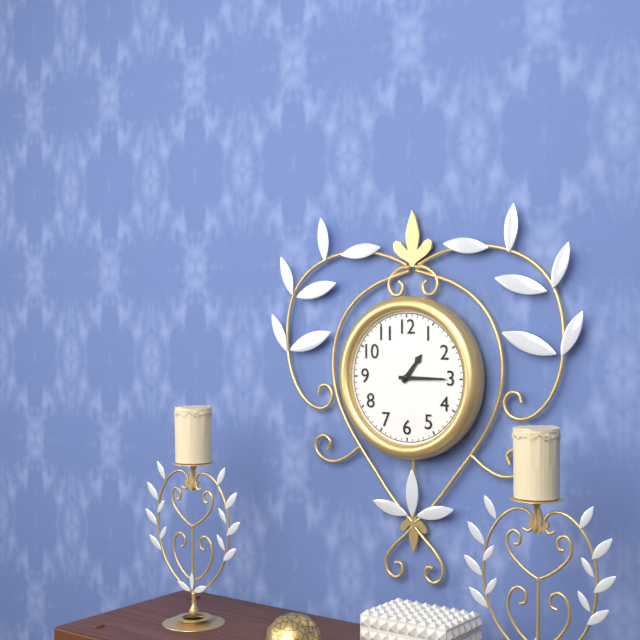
**1:15**
